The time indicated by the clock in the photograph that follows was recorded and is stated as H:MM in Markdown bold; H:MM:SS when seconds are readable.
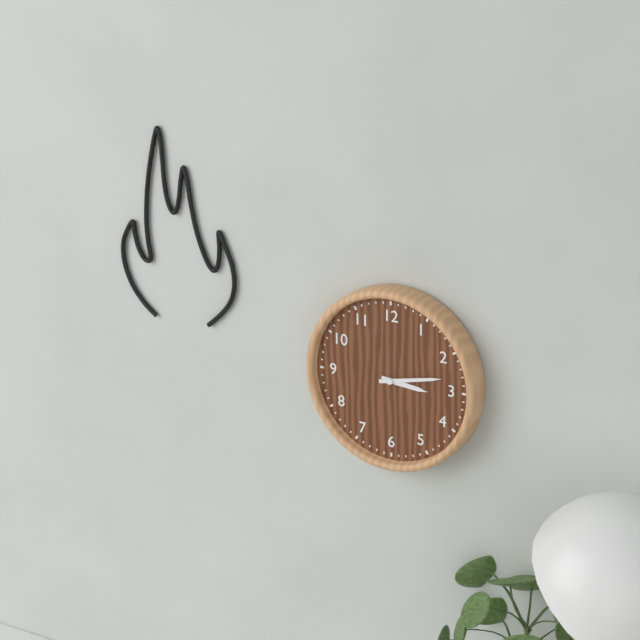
**3:13**
